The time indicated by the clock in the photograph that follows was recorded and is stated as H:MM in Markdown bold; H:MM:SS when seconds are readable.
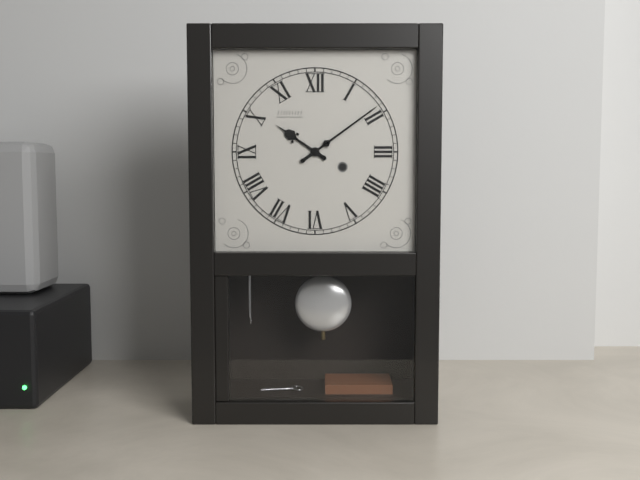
**10:09**
